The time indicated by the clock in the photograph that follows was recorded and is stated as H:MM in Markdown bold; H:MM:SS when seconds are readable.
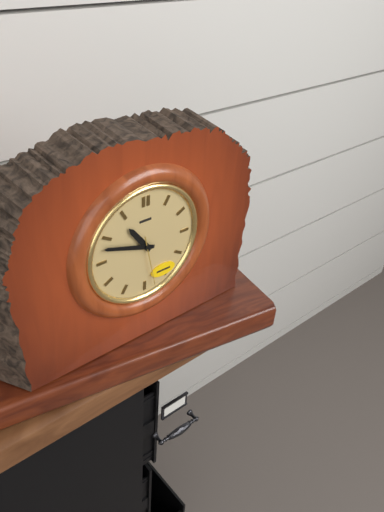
**10:48:28**
